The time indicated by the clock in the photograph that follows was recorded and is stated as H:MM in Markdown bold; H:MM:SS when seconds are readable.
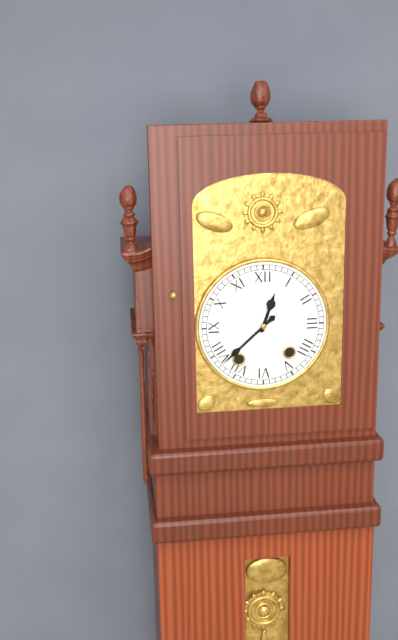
**12:38**
